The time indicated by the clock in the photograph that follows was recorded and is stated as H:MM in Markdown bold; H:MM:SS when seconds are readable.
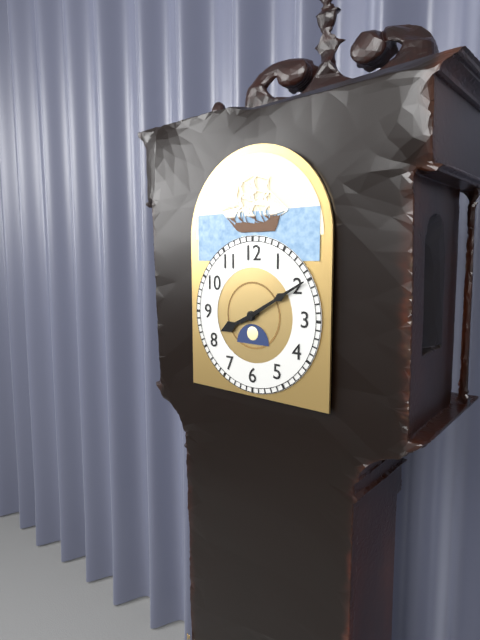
**8:10**
